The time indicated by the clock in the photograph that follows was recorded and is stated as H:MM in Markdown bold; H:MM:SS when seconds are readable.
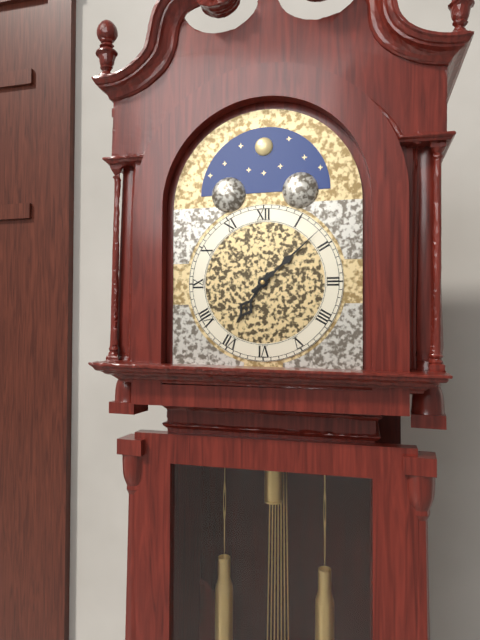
**7:08**
